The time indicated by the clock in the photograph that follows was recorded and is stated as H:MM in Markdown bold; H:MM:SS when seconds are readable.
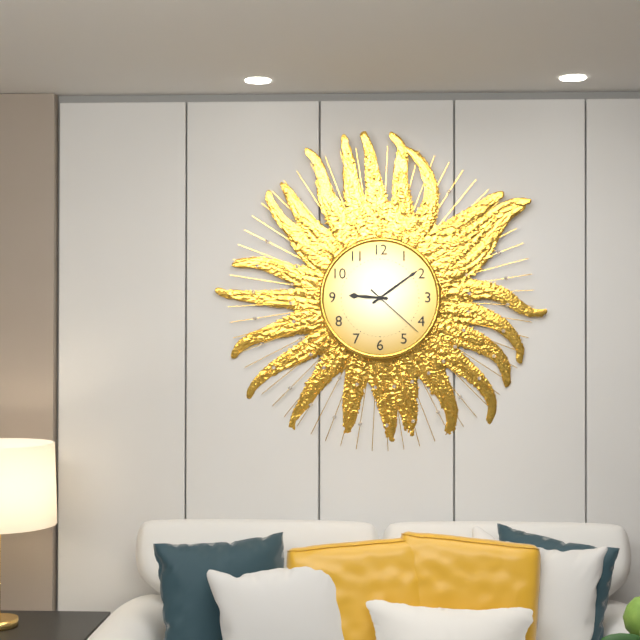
**9:09:22**
